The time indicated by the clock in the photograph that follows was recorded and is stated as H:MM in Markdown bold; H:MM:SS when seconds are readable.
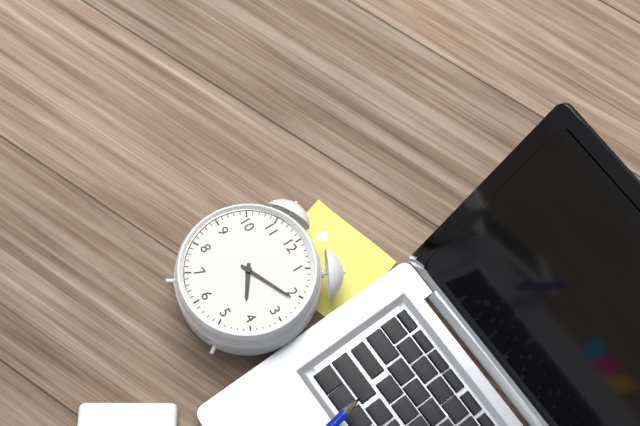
**4:11**
